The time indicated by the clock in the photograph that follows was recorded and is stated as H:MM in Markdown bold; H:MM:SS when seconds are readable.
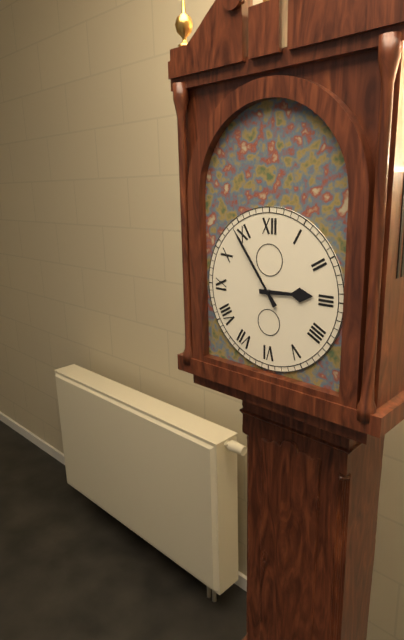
**2:54**
